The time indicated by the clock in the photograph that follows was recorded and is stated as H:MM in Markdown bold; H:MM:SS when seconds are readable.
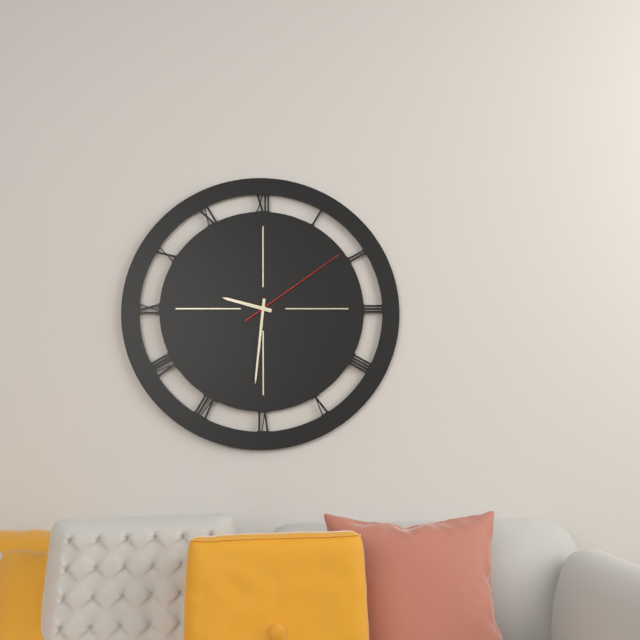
**9:31:09**
